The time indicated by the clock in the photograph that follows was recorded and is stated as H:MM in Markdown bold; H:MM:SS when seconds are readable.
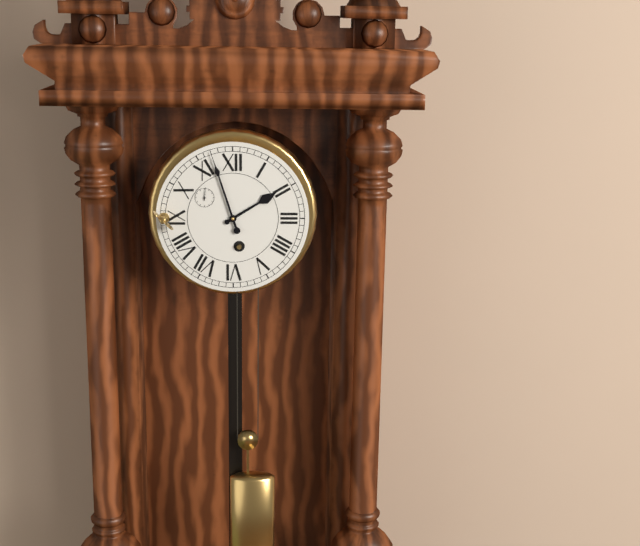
**1:57**
